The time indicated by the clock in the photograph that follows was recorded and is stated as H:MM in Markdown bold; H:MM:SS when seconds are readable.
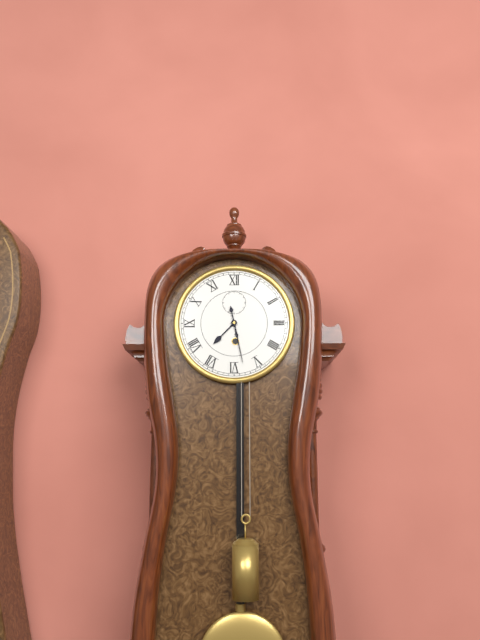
**7:28**
